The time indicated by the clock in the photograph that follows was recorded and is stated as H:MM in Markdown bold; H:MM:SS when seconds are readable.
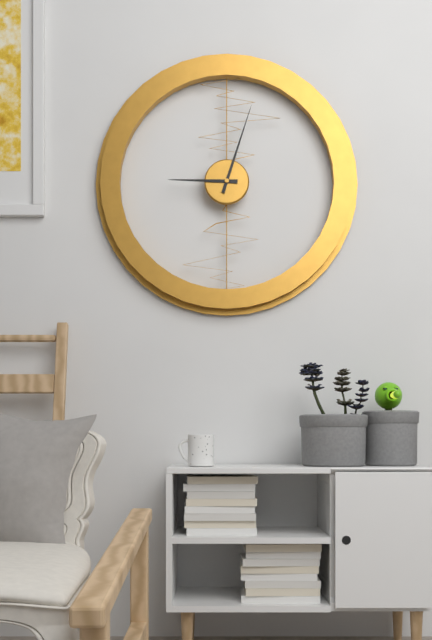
**9:03**
